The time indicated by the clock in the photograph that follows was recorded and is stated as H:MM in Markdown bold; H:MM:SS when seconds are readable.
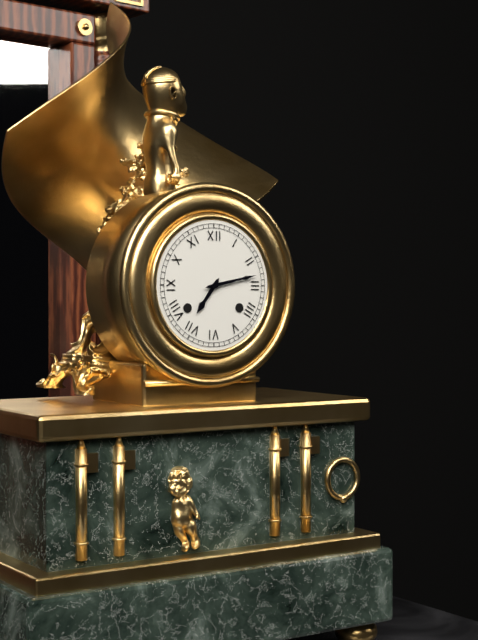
**7:13**
